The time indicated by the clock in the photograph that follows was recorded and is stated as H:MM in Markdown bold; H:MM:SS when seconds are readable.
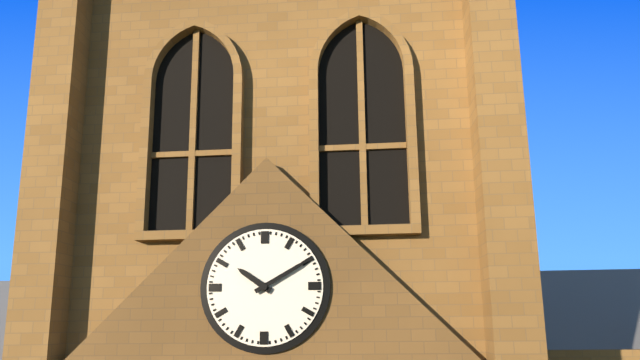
**10:10**
